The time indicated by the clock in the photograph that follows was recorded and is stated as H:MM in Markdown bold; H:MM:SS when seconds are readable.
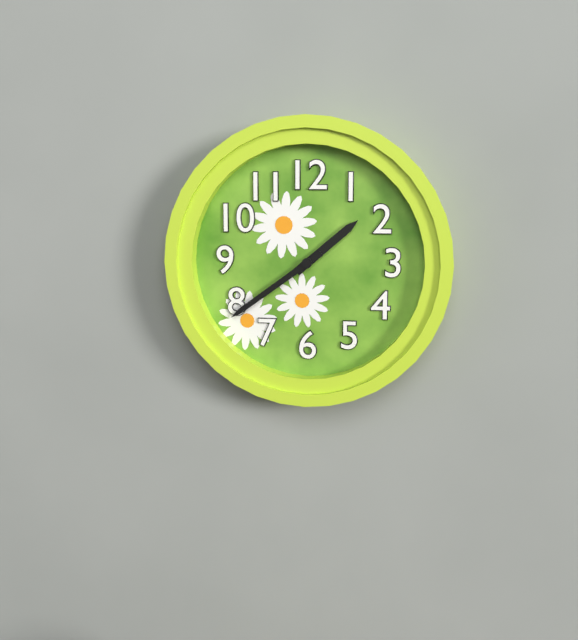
**1:39**
